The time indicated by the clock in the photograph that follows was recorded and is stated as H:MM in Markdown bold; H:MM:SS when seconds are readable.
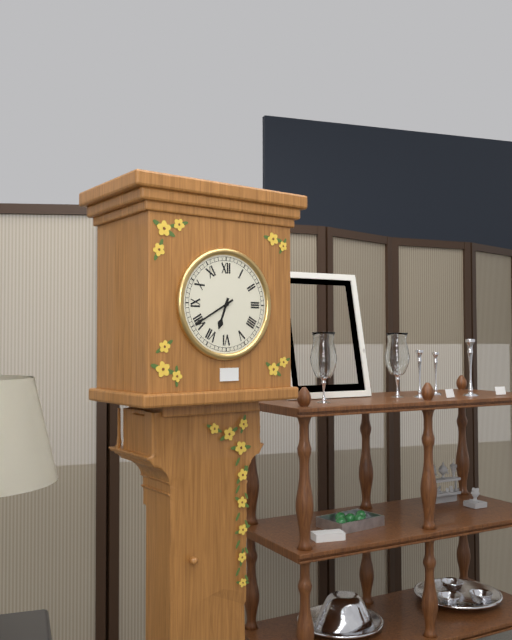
**6:40**
